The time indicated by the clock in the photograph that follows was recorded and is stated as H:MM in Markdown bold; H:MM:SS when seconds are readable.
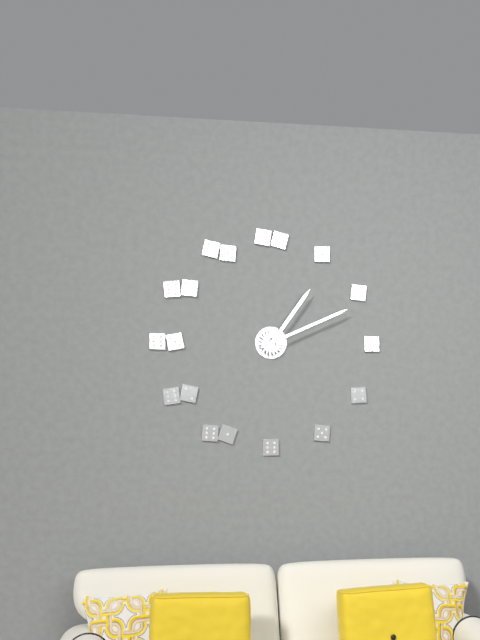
**1:11**
